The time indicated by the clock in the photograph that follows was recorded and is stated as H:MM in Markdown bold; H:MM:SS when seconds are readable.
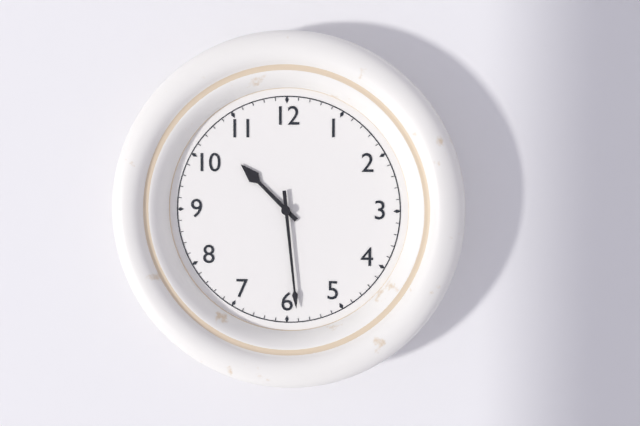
**10:29**
